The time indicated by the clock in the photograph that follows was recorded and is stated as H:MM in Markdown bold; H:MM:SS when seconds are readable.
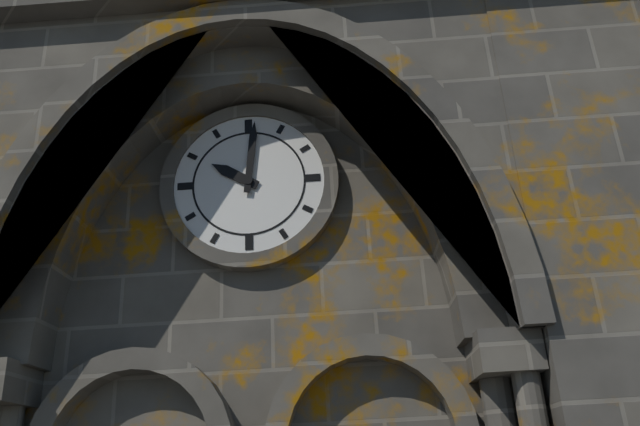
**10:01**
